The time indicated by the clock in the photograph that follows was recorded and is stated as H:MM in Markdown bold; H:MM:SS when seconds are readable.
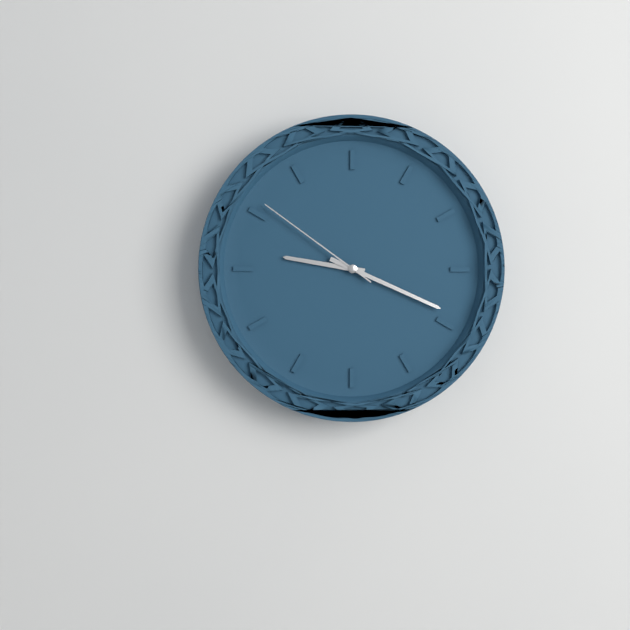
**9:19:51**
